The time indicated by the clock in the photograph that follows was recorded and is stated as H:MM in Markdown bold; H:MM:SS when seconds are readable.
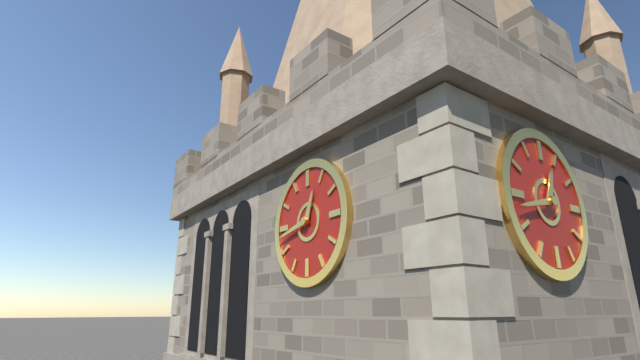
**12:43**
